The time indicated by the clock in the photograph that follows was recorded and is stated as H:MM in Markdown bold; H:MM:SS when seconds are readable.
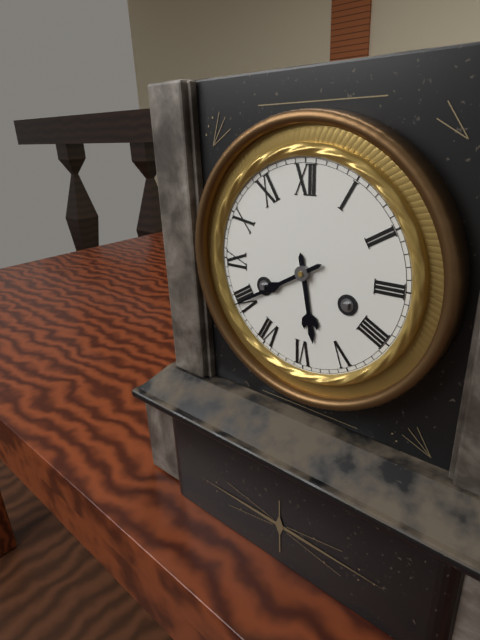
**5:40**
